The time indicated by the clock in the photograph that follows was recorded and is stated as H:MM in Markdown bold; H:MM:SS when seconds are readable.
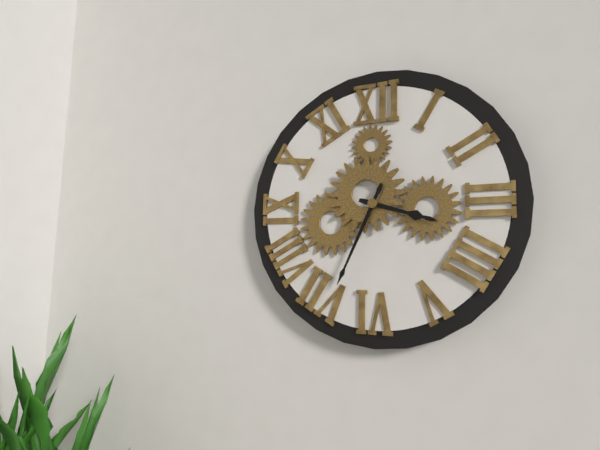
**3:34**
